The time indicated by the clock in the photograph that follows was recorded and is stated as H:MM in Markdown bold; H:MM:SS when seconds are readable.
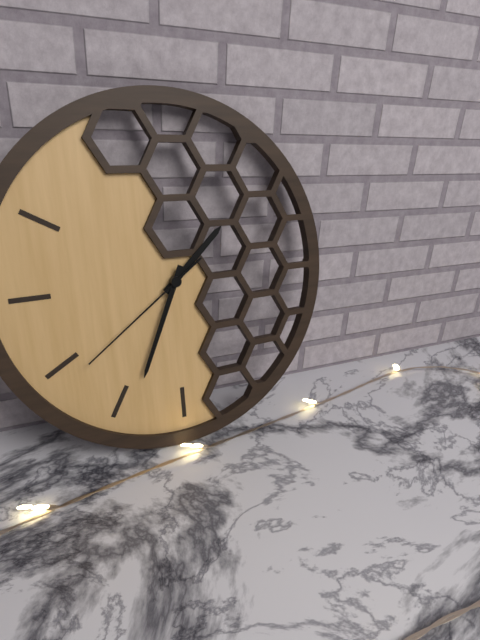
**1:34:39**
